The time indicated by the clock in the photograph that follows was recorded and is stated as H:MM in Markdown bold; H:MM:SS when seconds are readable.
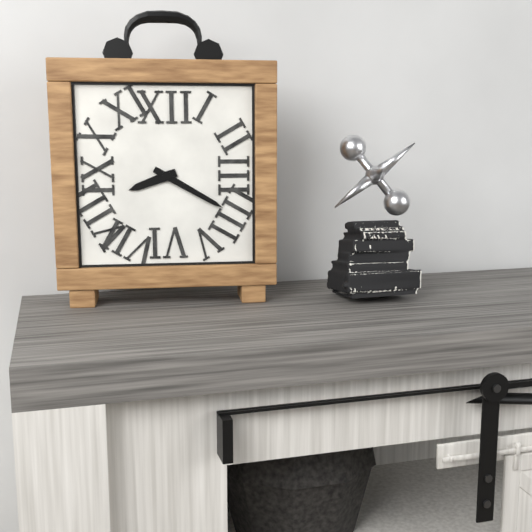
**8:20**
